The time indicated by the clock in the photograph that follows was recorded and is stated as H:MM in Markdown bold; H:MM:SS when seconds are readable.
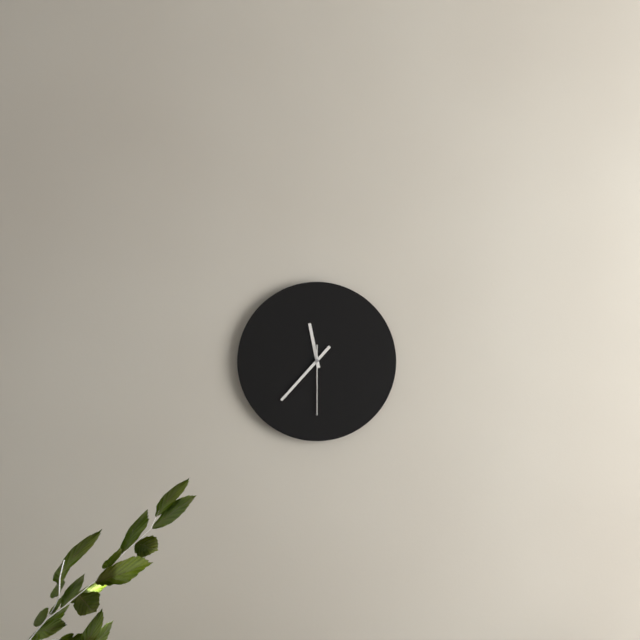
**11:37:30**
